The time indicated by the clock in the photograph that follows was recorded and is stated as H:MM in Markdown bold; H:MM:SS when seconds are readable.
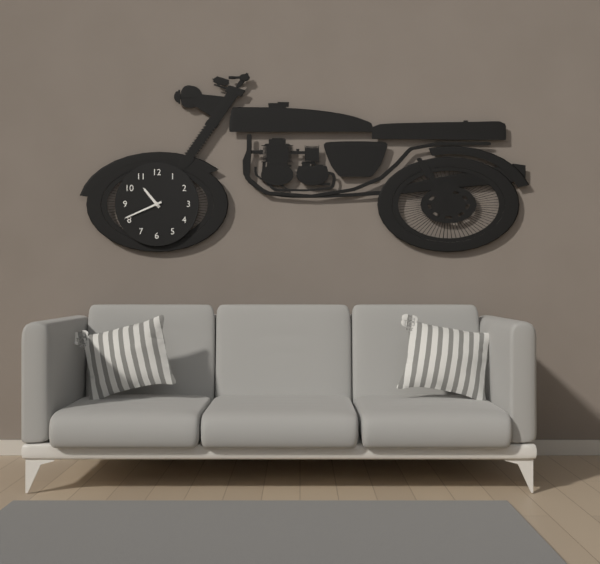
**10:41**
